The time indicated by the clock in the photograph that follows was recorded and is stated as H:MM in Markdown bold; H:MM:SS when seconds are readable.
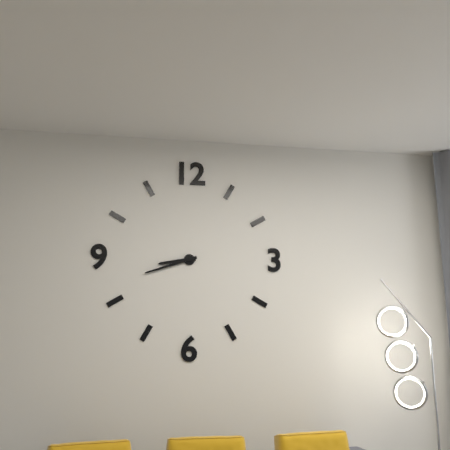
**8:42**
